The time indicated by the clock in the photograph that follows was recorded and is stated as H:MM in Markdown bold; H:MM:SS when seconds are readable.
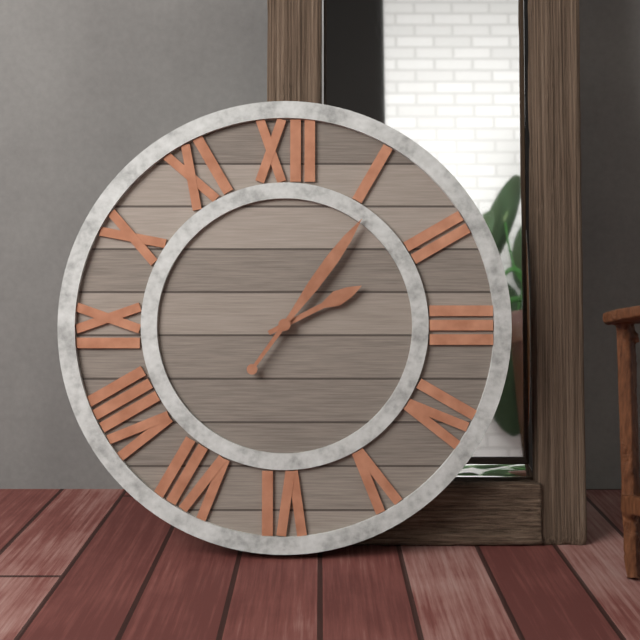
**2:06**
